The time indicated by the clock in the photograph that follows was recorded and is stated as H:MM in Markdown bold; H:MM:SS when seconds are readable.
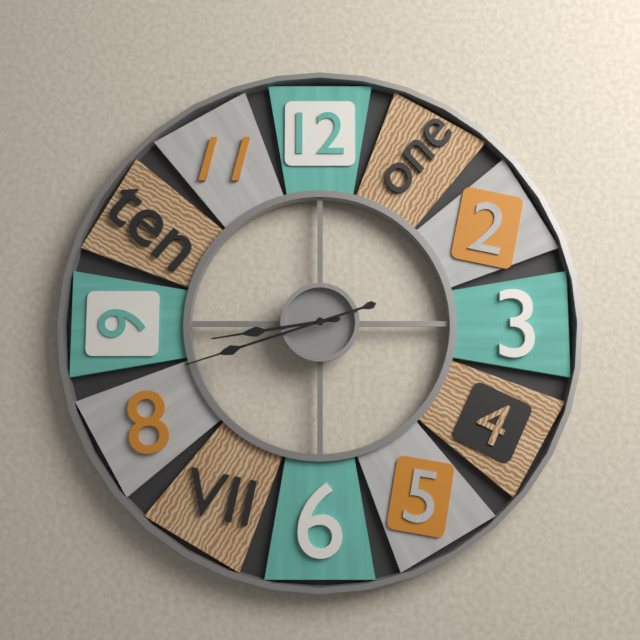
**8:42**
